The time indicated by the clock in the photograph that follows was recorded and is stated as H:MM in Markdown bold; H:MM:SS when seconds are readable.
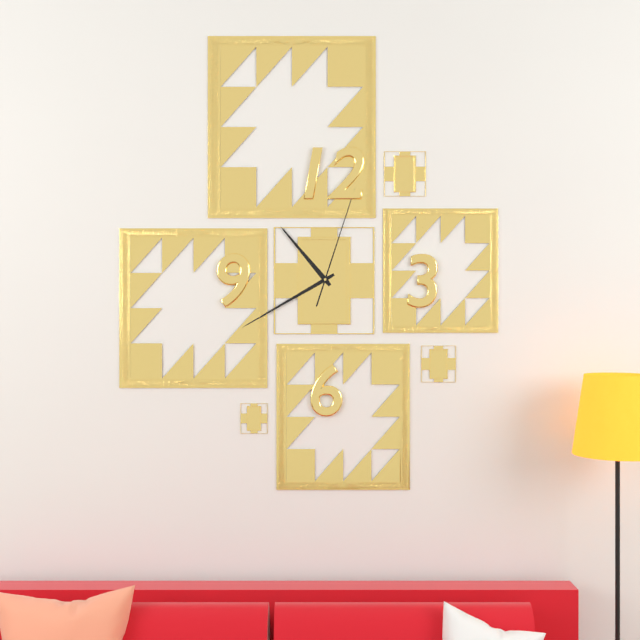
**10:40:03**
